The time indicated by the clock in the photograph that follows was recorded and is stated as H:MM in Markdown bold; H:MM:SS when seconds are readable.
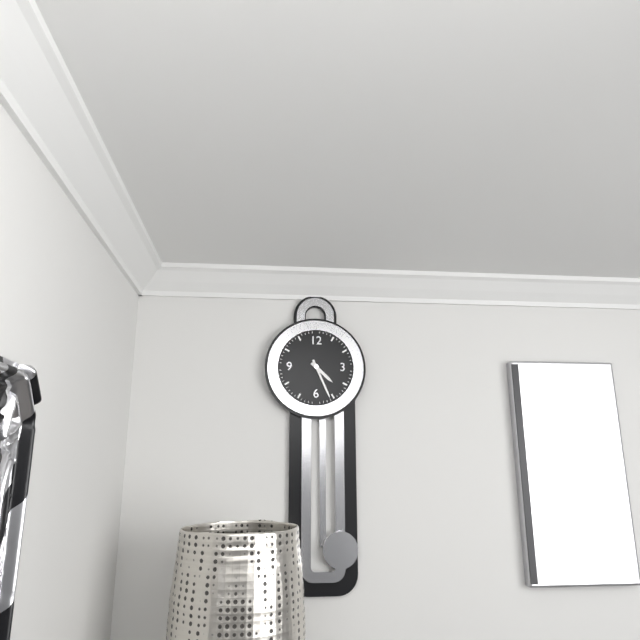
**4:26**
